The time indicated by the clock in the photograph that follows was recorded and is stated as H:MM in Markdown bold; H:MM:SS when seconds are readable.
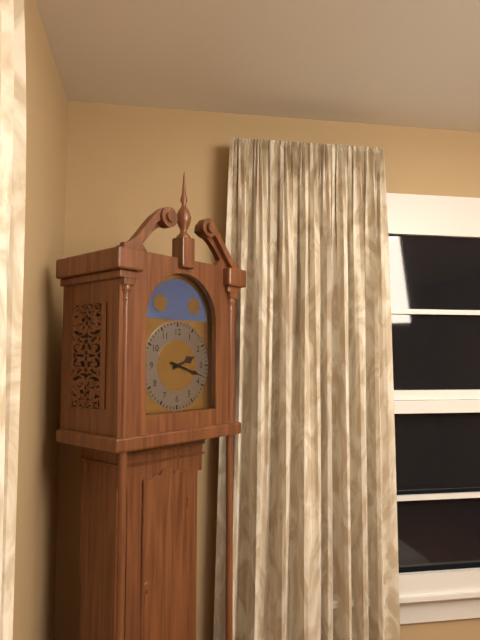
**2:18**
